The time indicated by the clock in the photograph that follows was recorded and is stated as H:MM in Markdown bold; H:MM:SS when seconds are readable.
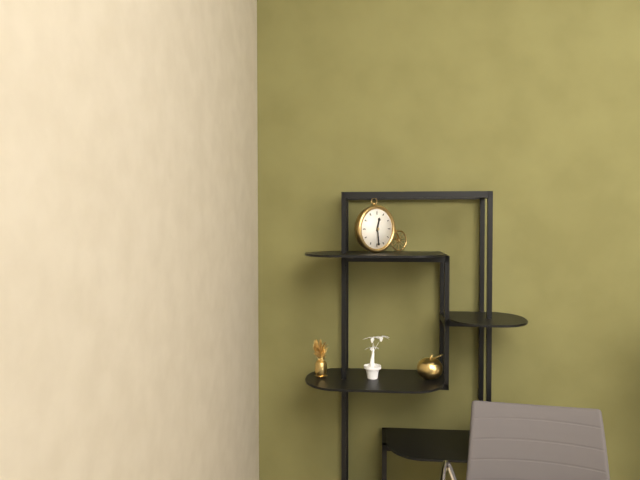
**12:29**
